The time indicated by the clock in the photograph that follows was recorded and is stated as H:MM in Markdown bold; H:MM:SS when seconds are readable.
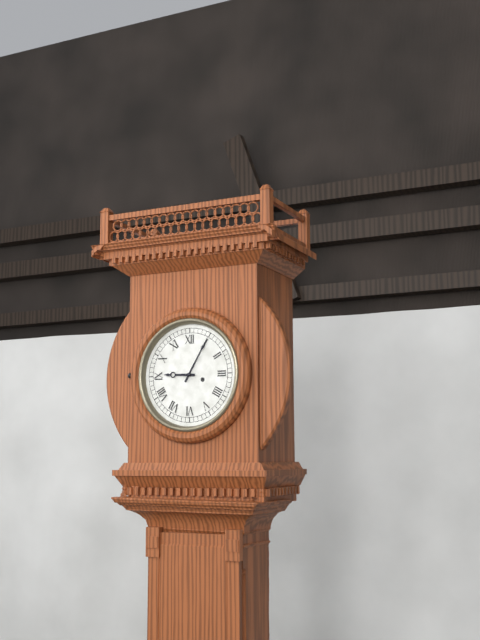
**9:05**
